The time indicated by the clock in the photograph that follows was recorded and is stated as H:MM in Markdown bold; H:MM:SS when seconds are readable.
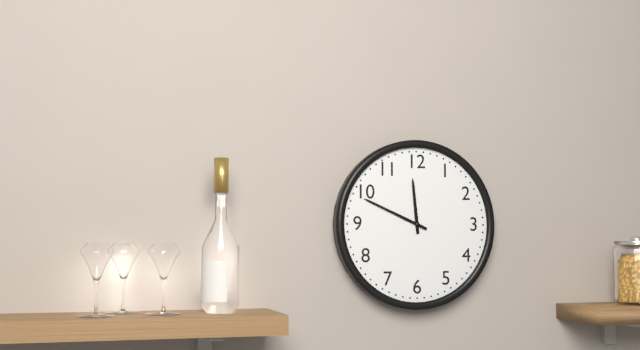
**11:49**
